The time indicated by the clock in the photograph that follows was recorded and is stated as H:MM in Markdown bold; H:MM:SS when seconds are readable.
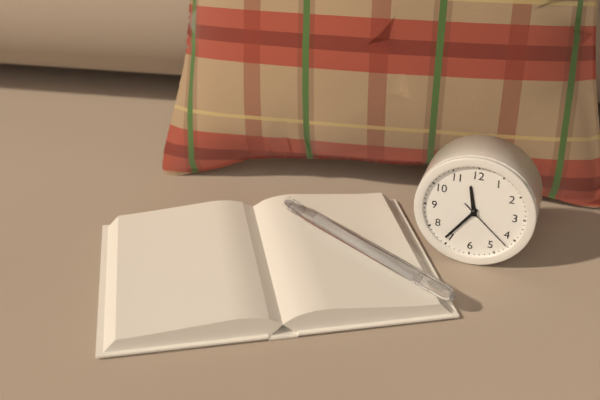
**11:36:22**
